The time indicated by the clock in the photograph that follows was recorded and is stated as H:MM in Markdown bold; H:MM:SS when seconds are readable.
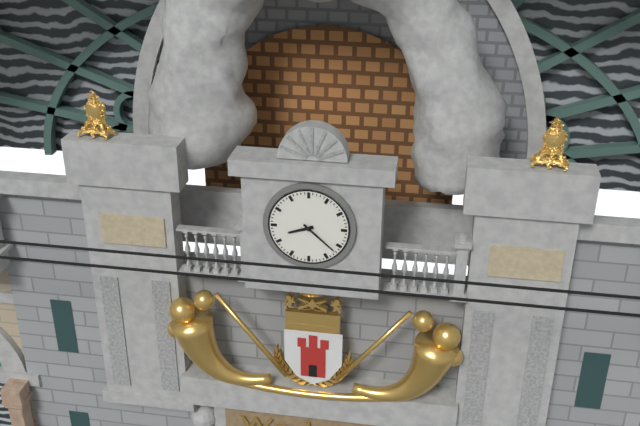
**8:22**
